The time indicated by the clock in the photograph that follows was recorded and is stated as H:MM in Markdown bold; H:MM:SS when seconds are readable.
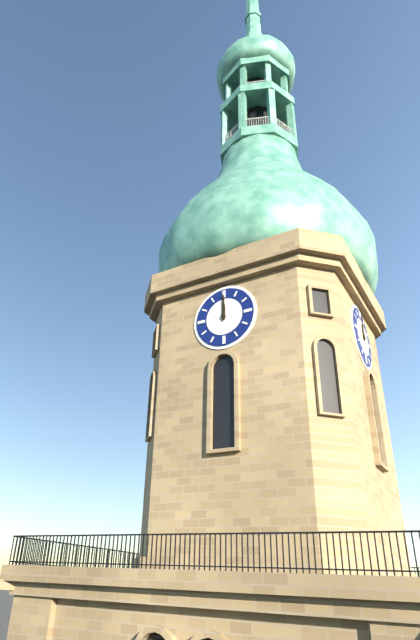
**12:00**
